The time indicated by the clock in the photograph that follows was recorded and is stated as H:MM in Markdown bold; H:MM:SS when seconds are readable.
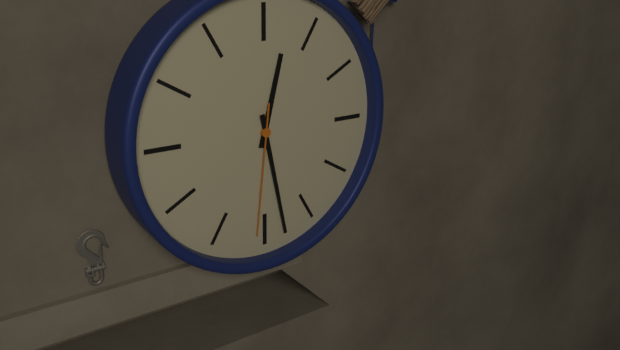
**12:28:31**
